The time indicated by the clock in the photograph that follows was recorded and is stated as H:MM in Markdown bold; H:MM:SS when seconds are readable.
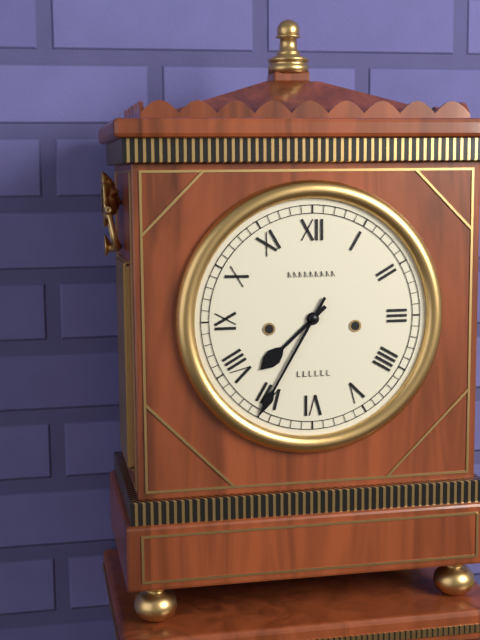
**7:35**
